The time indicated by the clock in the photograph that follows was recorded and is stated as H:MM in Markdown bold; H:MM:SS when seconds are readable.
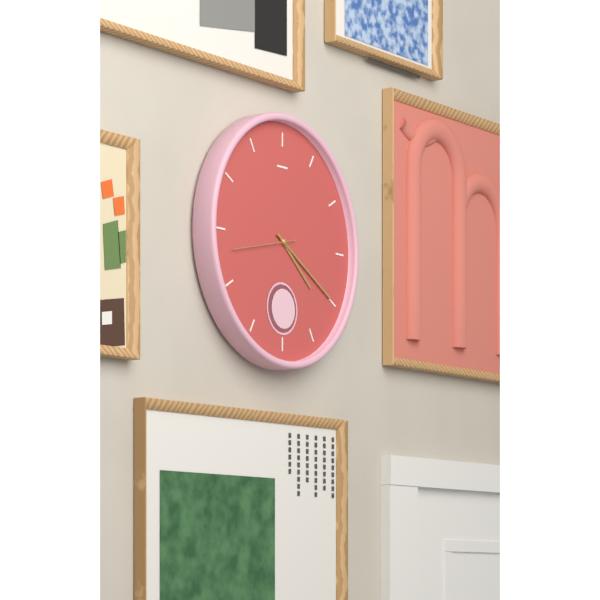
**4:20:43**
